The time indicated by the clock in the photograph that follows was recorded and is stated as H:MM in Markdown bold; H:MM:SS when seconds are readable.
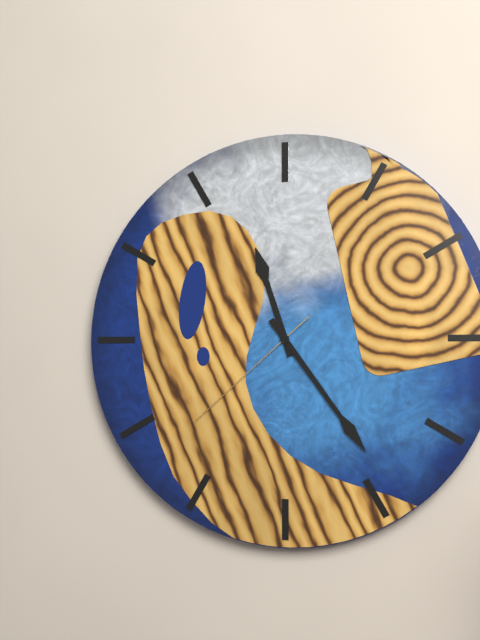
**11:24:38**
